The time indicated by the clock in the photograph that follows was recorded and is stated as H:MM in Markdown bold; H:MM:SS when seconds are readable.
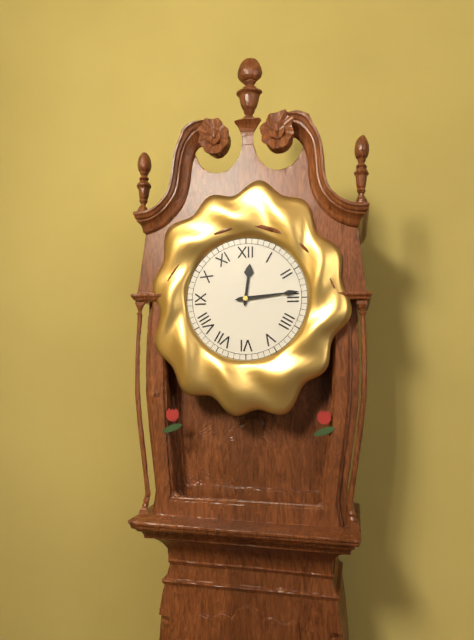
**12:14**
